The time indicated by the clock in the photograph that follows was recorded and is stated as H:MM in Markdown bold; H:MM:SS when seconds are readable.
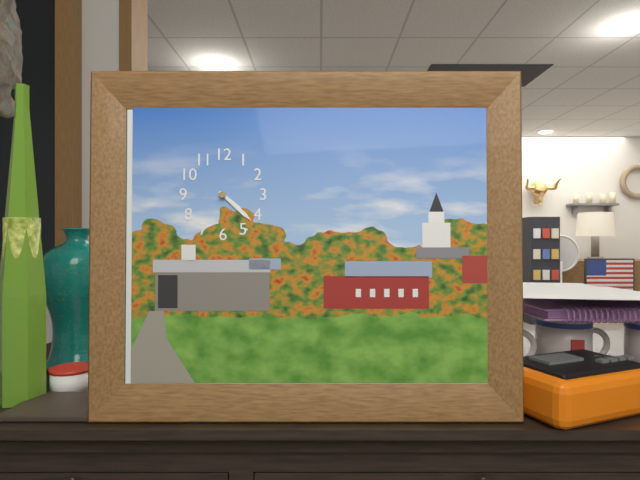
**4:22**
